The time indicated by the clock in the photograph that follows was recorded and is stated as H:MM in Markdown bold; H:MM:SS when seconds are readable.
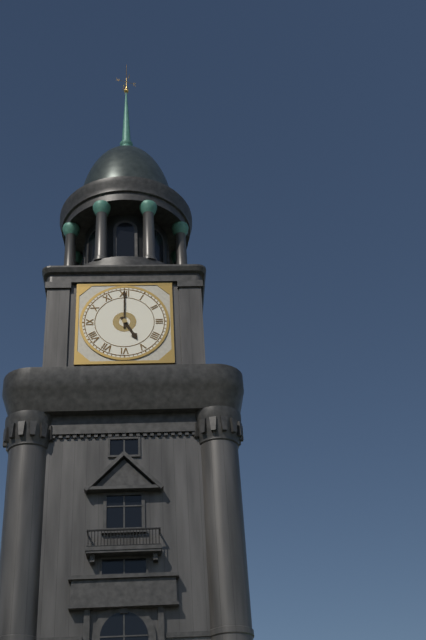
**5:00**
